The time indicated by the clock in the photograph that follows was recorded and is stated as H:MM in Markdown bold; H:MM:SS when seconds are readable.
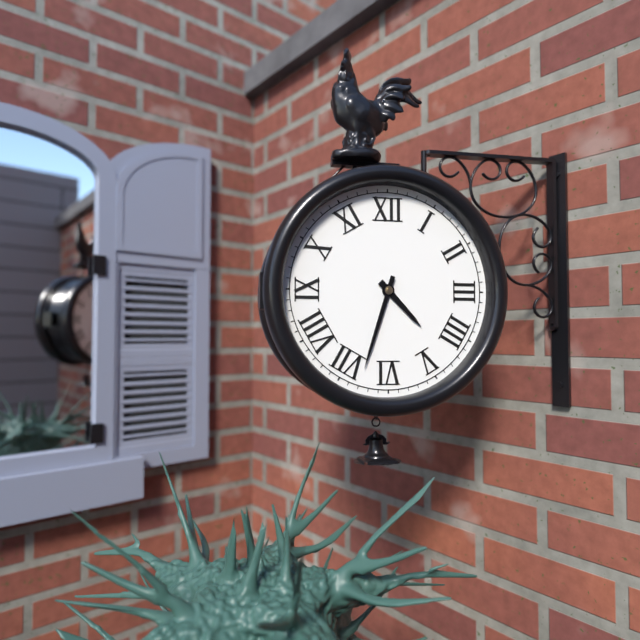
**4:33**
